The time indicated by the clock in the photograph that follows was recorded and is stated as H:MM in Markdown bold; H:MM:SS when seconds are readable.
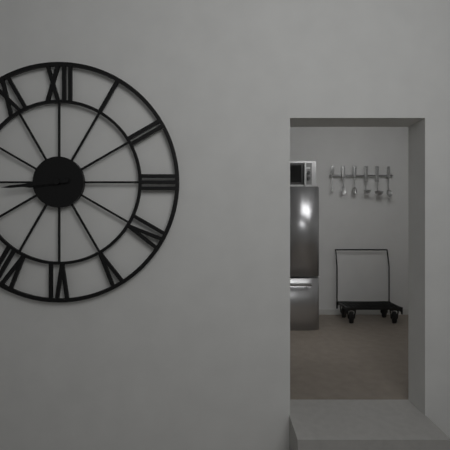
**8:44**
